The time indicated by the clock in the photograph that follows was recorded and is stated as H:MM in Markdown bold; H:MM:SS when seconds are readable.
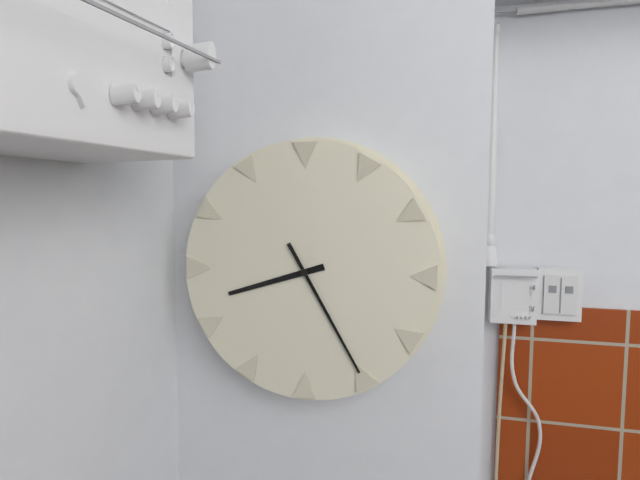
**8:25**
